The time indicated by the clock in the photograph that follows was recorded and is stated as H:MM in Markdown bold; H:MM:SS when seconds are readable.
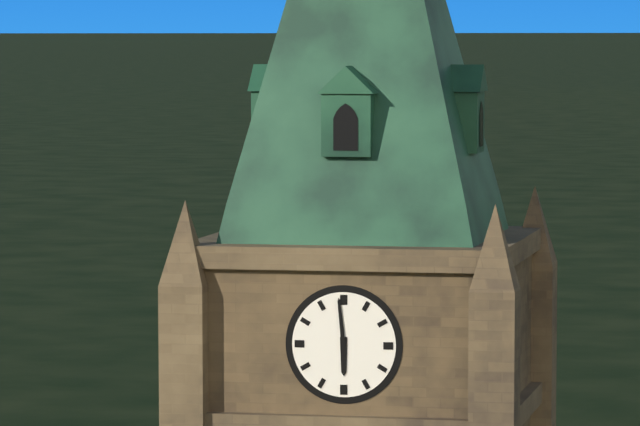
**5:59**
